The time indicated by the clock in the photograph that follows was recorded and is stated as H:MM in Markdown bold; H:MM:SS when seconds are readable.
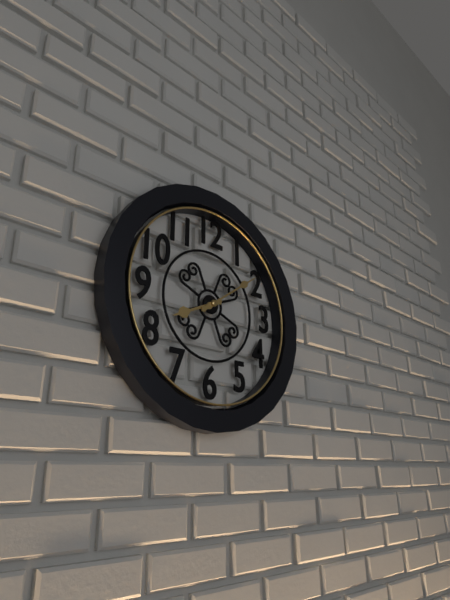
**8:09**
